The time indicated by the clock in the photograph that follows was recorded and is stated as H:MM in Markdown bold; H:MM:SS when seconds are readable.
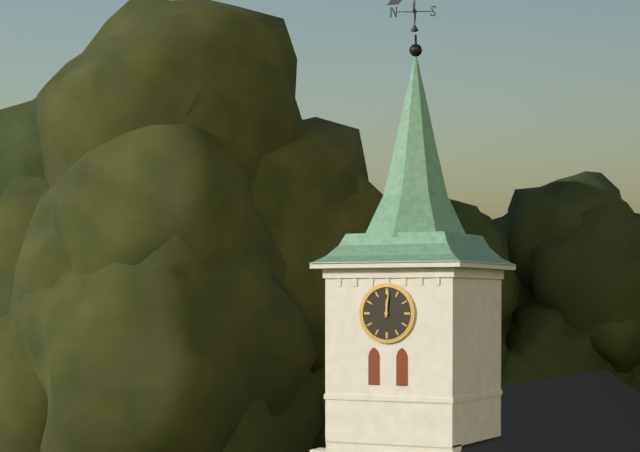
**12:01**
